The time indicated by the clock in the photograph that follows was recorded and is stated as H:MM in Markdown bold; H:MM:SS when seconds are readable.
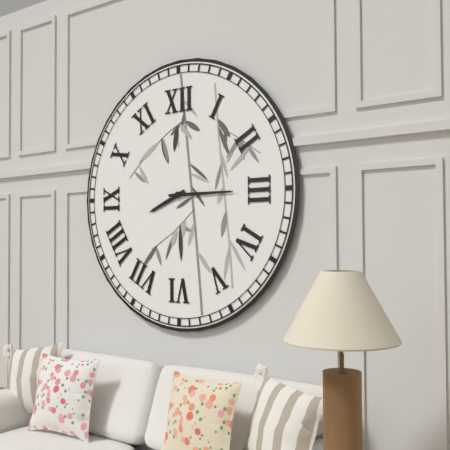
**8:15**
